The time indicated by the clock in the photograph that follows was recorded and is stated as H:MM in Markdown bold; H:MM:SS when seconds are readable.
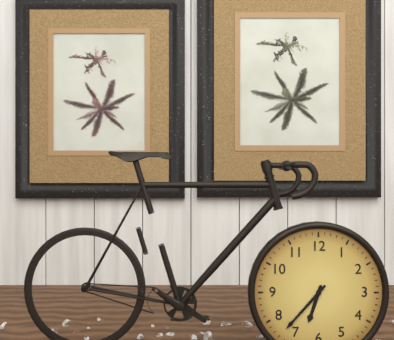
**6:37**
